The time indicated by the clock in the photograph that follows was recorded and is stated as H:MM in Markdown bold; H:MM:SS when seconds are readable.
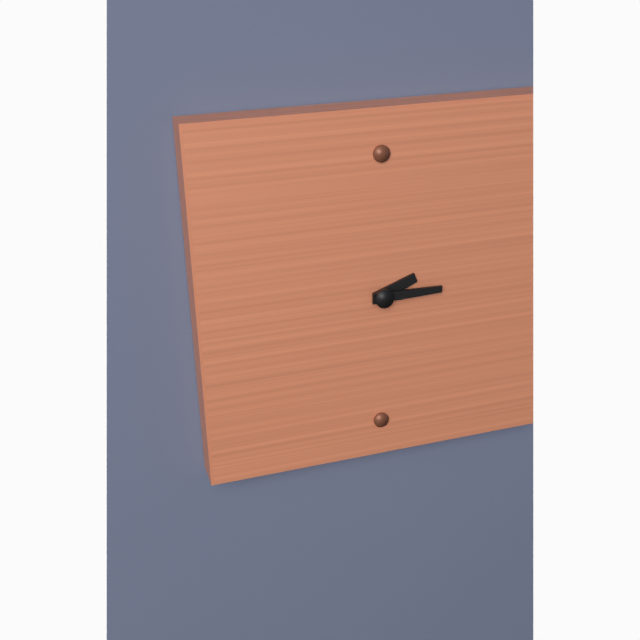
**2:15**
